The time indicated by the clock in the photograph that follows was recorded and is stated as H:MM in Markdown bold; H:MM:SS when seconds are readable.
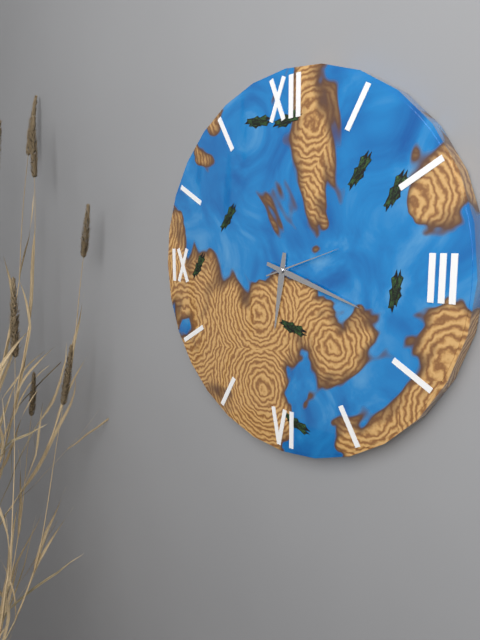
**6:18:12**
